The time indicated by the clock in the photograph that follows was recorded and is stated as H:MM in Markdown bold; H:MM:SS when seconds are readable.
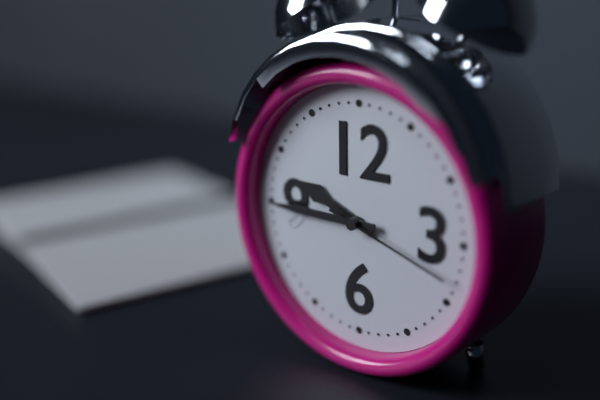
**9:45:18**
